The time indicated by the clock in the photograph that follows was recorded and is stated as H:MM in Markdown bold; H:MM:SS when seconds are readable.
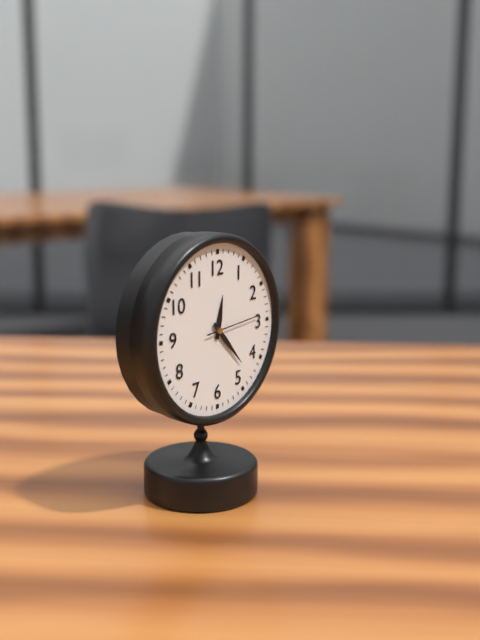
**12:23:14**
